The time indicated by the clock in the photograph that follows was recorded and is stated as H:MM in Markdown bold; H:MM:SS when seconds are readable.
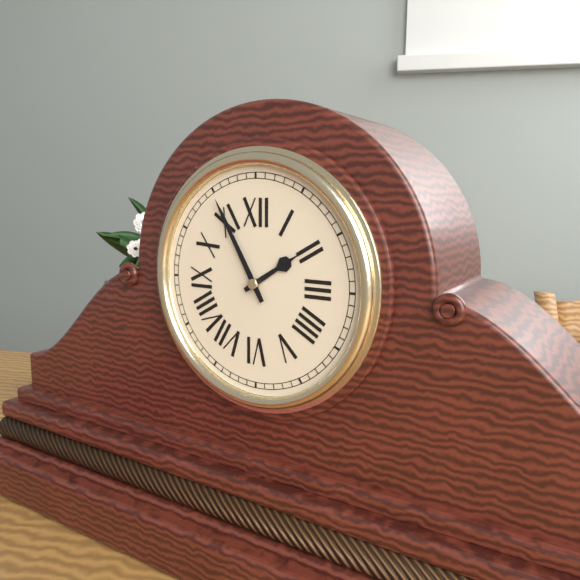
**1:55**
